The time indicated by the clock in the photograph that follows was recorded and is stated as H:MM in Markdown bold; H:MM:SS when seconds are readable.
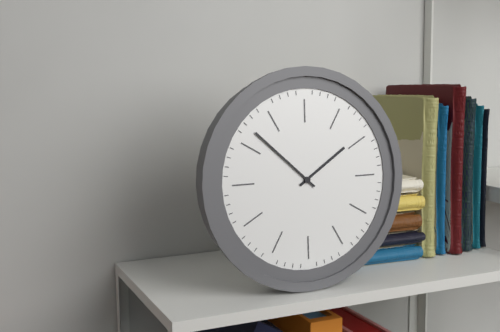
**1:52**
